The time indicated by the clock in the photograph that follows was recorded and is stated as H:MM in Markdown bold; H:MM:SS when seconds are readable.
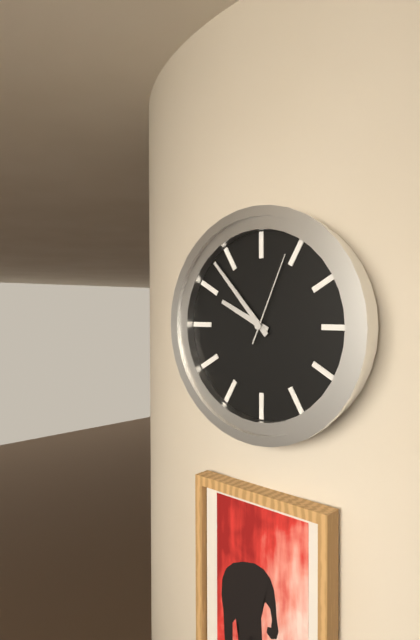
**9:53:04**
